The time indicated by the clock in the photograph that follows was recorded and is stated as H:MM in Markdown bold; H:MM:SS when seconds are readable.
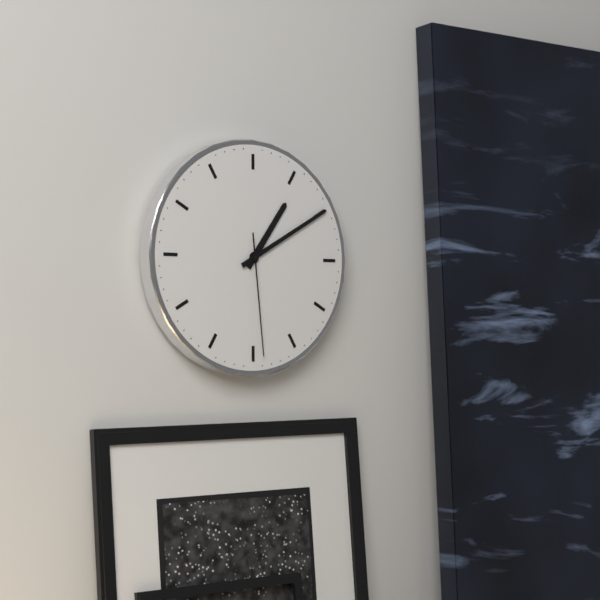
**1:10:29**
